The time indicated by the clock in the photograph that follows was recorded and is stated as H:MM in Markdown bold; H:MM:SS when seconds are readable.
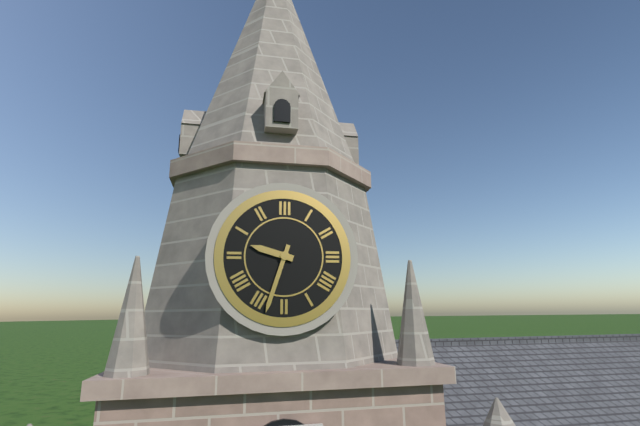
**9:33**
